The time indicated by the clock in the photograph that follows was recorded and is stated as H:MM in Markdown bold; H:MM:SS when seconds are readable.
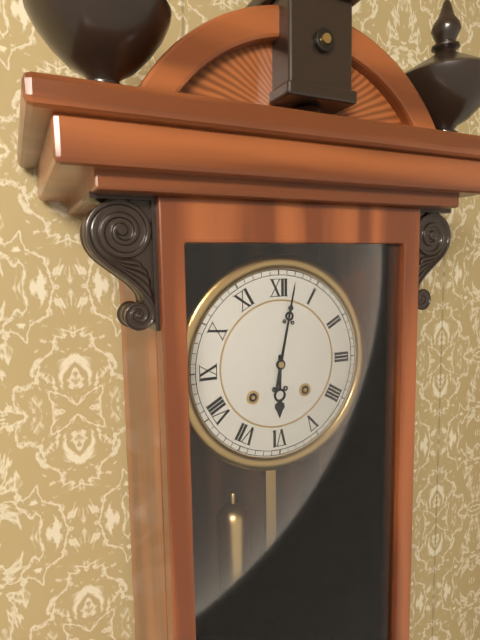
**6:02**
